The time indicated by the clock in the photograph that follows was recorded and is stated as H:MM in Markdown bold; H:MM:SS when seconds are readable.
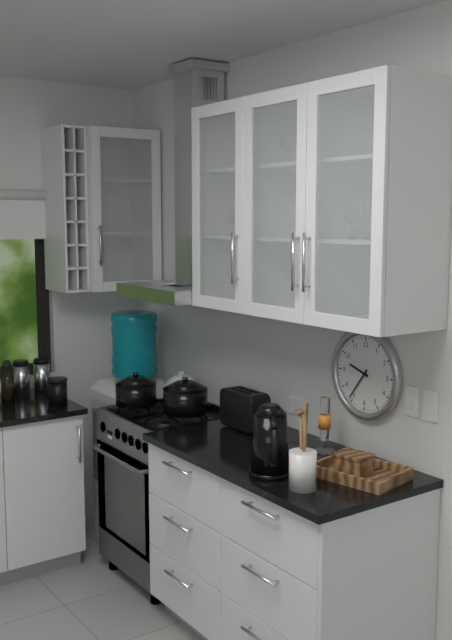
**9:36**
